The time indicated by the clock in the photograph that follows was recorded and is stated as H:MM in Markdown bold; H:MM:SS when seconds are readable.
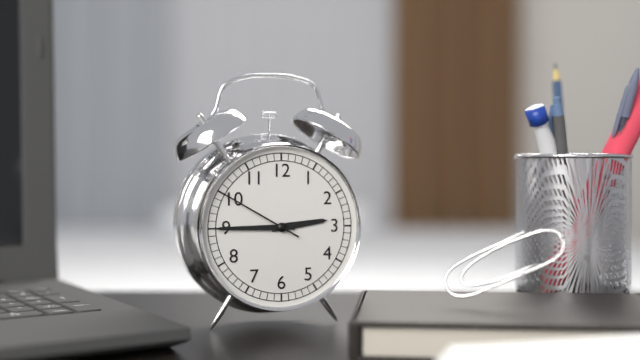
**2:45:50**
